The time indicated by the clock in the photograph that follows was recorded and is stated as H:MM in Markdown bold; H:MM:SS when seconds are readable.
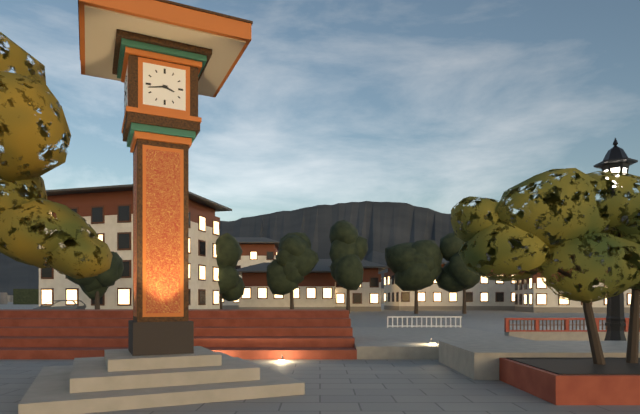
**3:43**
